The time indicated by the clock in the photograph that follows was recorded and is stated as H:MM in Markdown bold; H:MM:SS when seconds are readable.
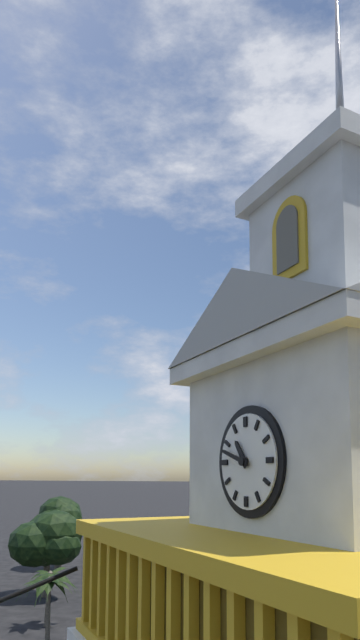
**10:48**
